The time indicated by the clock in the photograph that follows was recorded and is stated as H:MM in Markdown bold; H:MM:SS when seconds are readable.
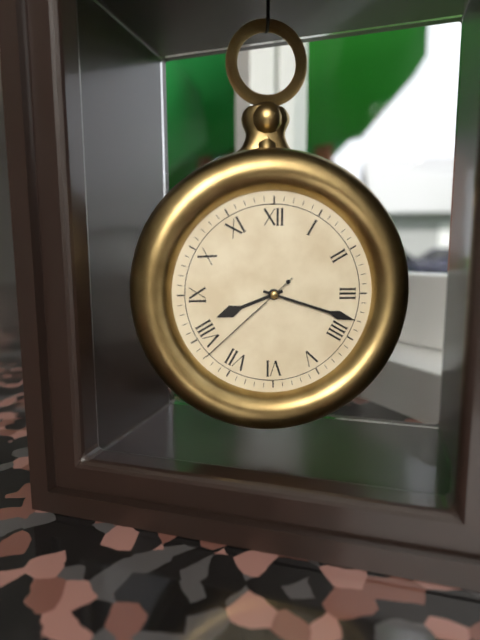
**8:18:38**
